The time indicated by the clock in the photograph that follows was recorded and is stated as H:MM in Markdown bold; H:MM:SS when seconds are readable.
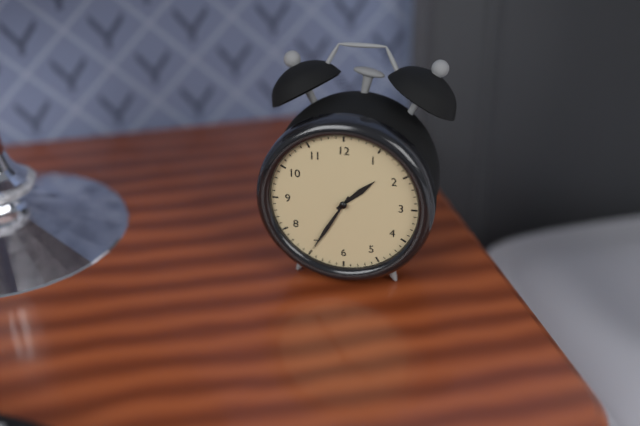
**1:35**
